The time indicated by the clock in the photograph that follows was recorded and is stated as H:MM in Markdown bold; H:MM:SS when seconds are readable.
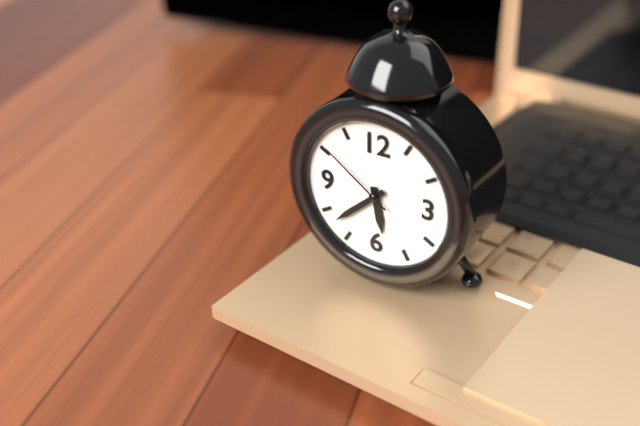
**5:38:51**
